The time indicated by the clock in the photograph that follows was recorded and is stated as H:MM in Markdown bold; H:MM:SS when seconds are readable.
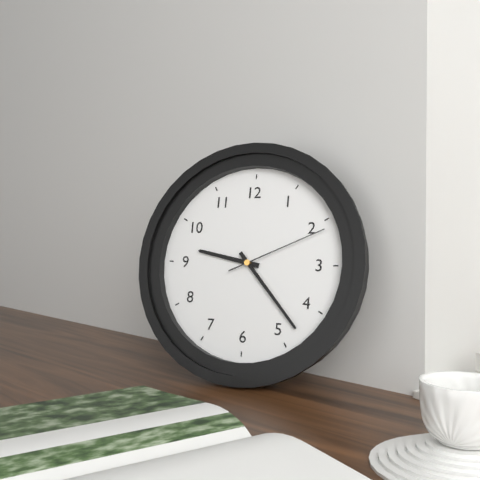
**9:23:11**
